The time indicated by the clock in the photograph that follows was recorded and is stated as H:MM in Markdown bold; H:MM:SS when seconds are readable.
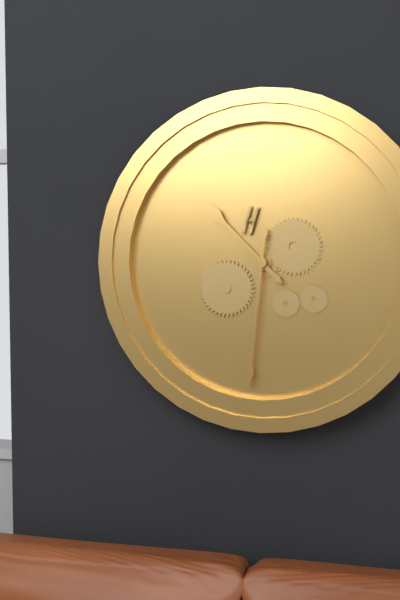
**10:31**
